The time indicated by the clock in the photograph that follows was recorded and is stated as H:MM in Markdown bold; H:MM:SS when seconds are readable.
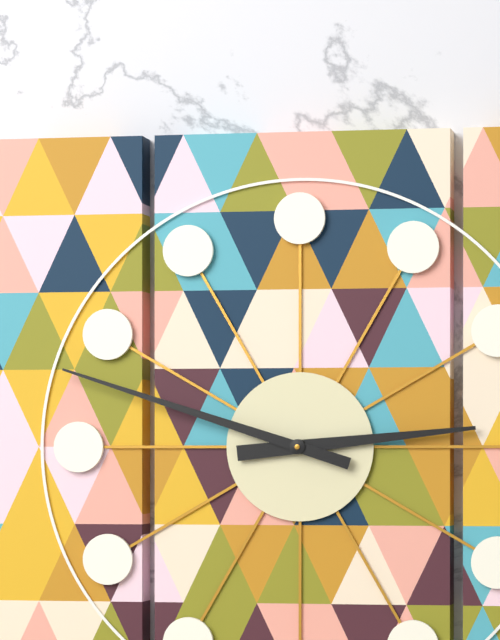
**2:48**
